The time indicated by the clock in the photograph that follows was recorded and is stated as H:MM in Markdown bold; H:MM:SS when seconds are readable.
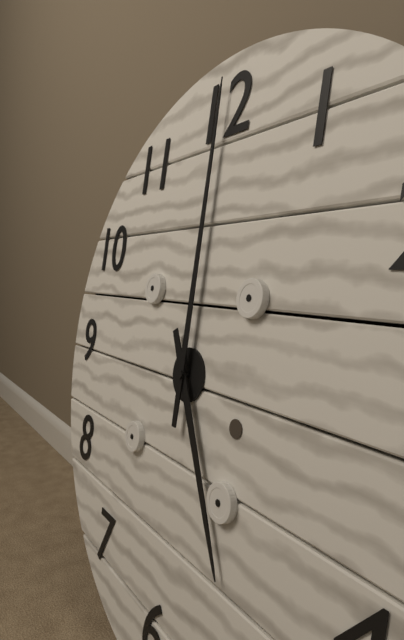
**5:00**
